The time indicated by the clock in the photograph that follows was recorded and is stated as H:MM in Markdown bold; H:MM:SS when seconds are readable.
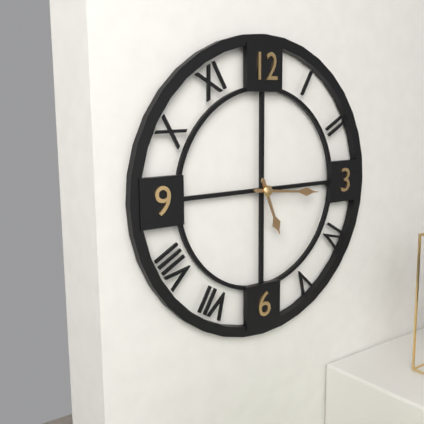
**5:16**
